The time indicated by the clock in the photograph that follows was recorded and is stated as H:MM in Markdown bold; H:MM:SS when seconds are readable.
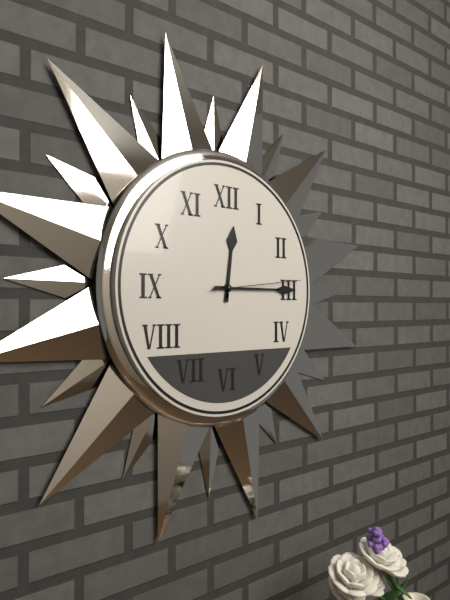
**12:15:14**
